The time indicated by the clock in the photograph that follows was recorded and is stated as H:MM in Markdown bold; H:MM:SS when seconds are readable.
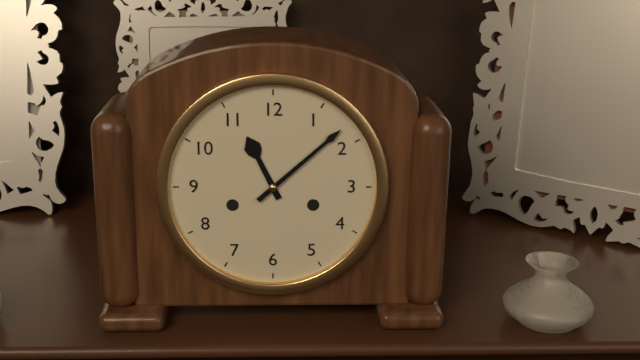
**11:08**
